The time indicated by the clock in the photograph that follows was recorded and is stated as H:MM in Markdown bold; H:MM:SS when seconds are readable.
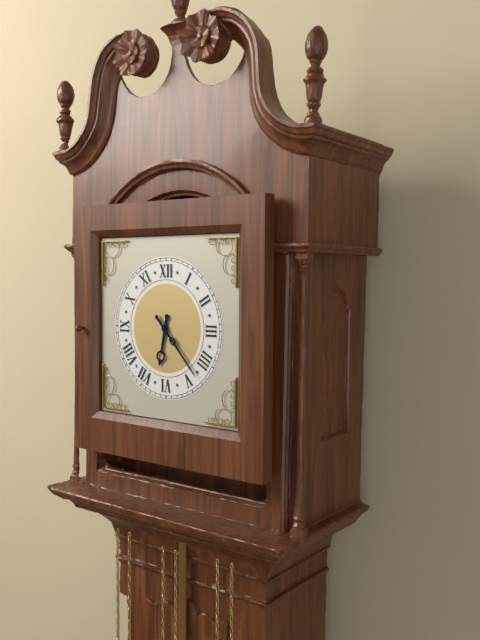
**6:23**
